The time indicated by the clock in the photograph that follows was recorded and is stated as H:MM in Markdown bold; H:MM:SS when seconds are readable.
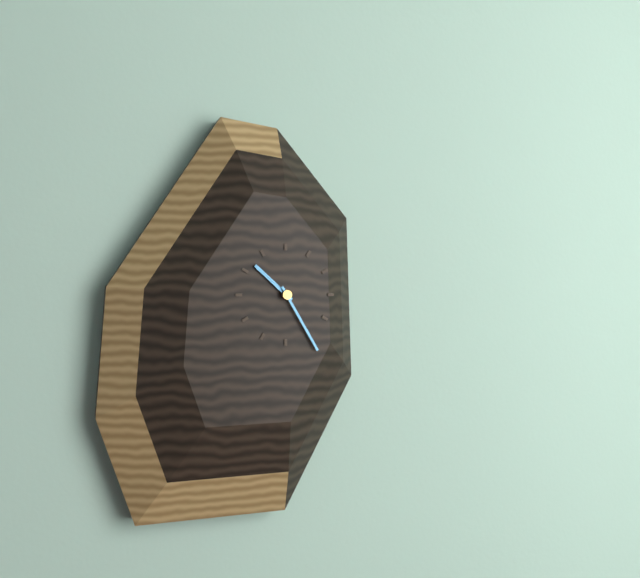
**10:25**
